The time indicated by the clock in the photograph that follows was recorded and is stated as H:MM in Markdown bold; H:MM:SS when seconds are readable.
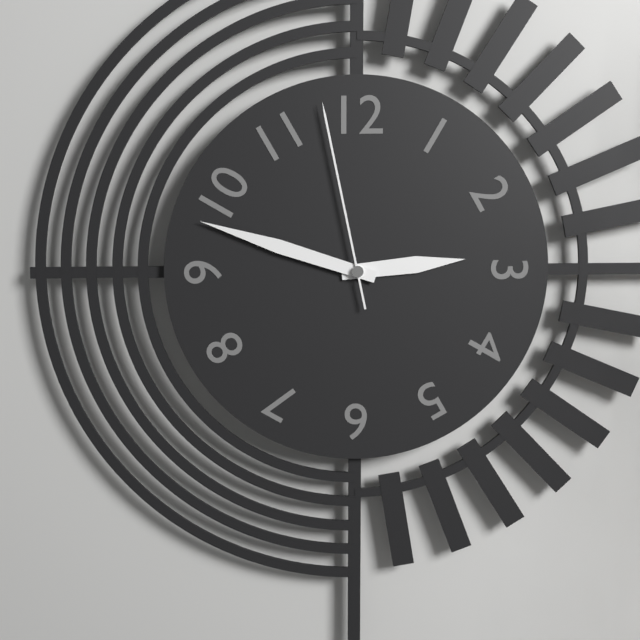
**2:48:58**
